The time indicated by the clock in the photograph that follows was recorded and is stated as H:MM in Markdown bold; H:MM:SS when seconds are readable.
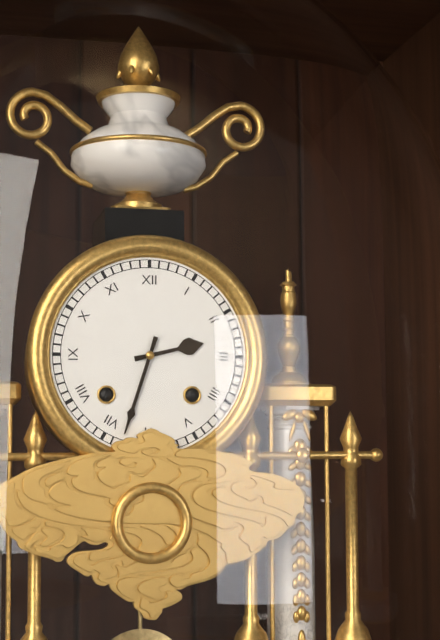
**2:33**
